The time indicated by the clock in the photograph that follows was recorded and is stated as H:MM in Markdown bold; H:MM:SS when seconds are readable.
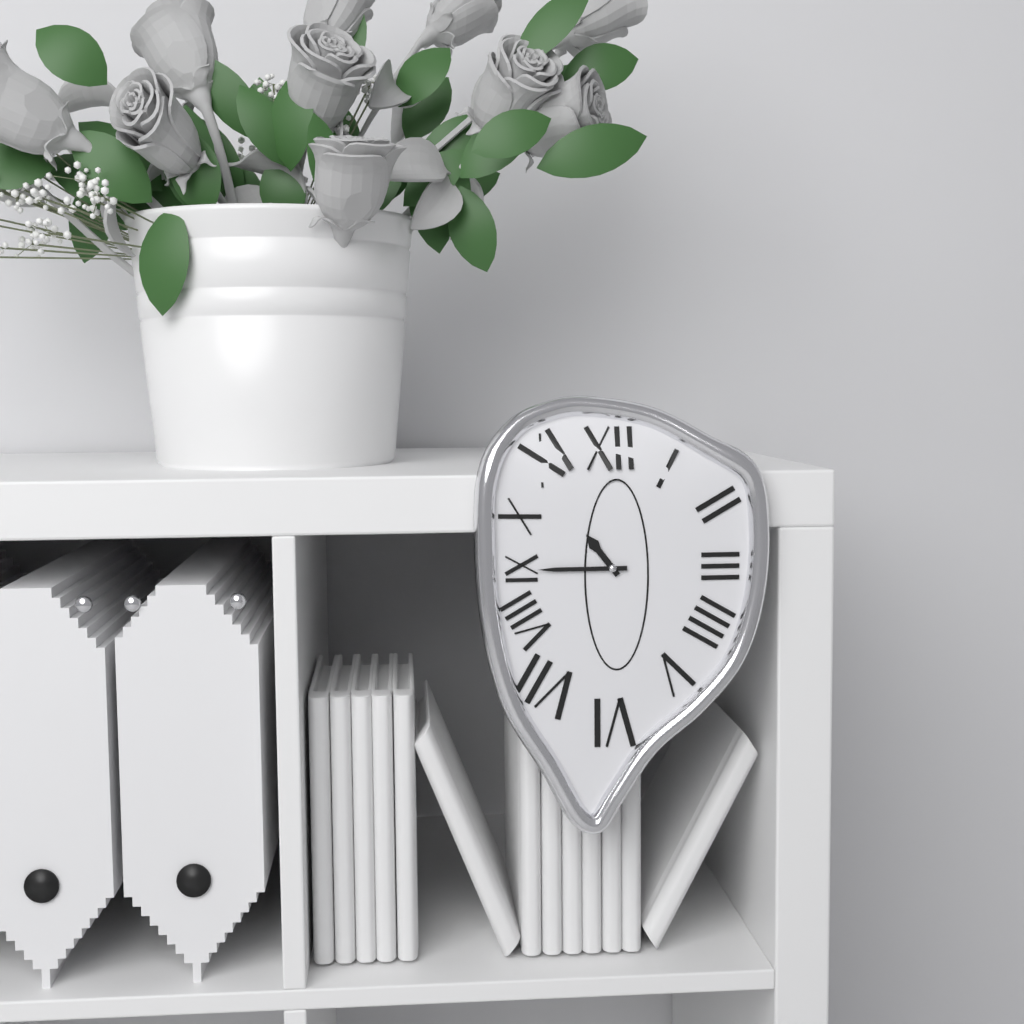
**10:45**
